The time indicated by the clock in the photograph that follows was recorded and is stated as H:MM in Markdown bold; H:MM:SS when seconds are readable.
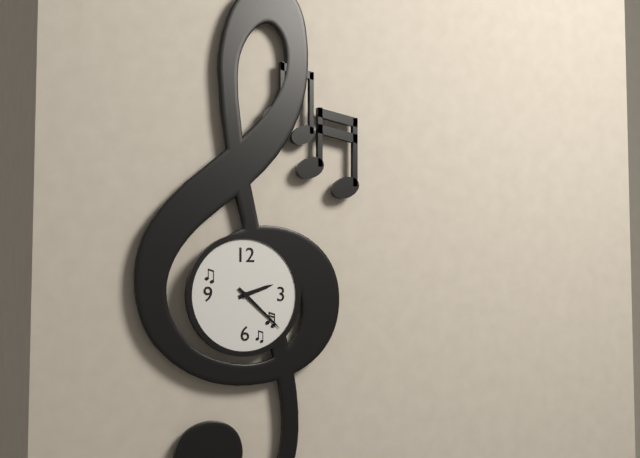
**2:22**
